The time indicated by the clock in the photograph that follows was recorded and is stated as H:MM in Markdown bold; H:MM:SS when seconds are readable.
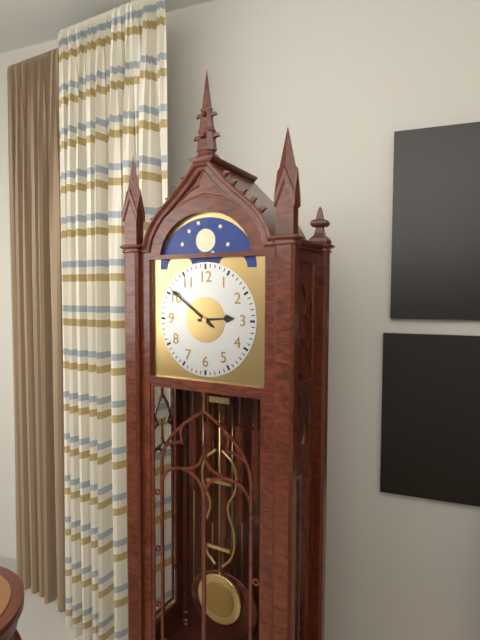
**2:51**
